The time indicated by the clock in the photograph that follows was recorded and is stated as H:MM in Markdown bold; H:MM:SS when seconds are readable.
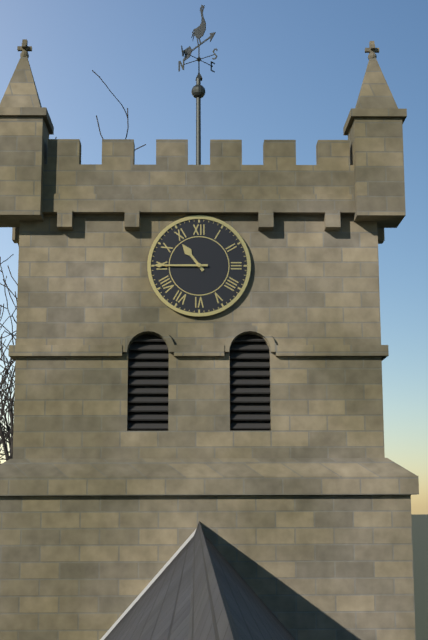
**10:45**
